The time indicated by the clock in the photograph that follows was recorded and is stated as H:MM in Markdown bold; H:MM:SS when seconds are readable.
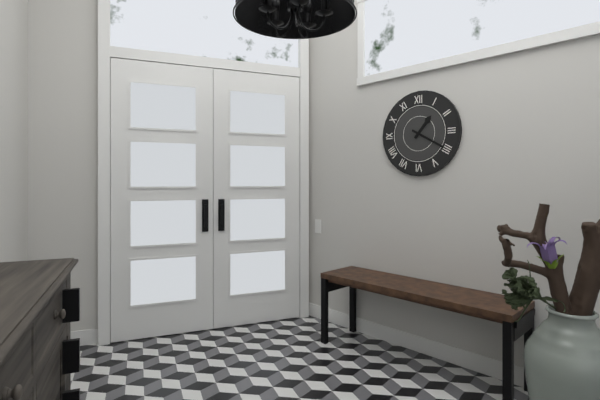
**1:20**
